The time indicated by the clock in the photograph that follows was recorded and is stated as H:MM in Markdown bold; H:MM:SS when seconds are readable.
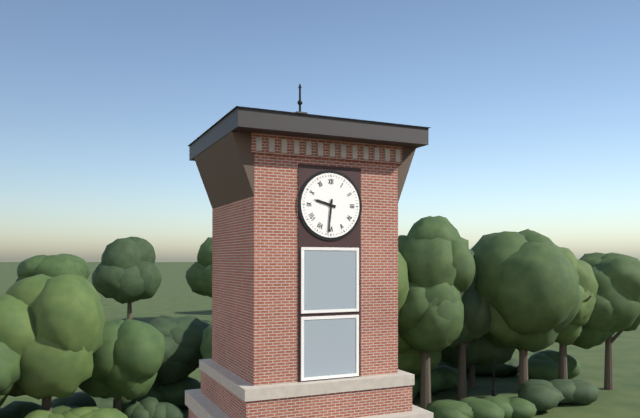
**9:31**
